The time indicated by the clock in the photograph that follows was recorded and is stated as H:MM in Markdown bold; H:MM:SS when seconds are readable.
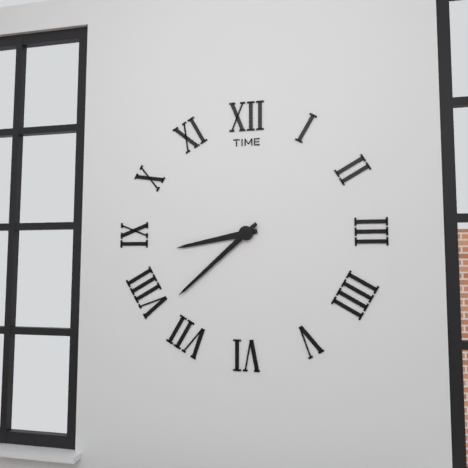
**8:38**
